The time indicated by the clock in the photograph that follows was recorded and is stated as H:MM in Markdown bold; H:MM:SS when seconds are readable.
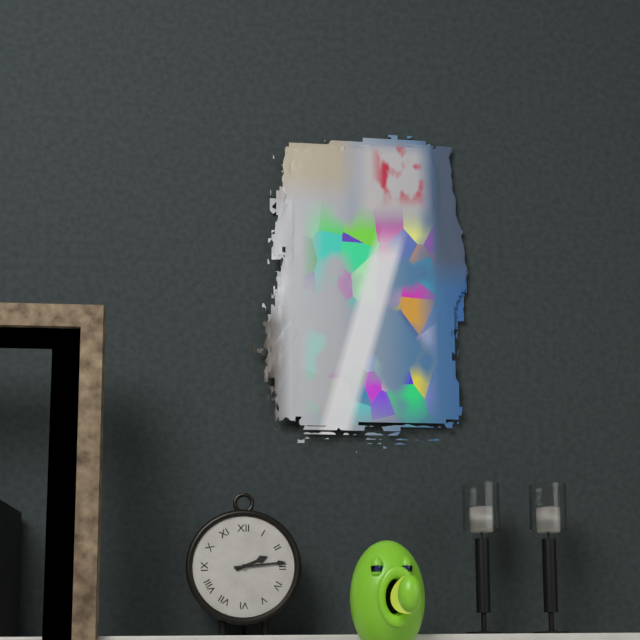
**2:14**
